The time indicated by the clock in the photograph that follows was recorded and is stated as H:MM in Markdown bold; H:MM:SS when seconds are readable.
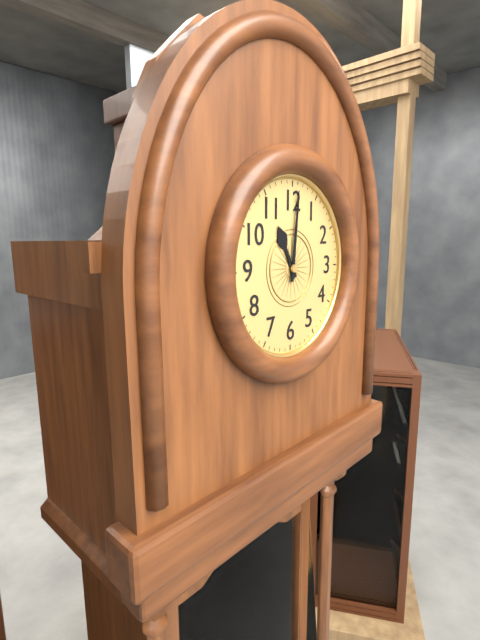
**11:01**
